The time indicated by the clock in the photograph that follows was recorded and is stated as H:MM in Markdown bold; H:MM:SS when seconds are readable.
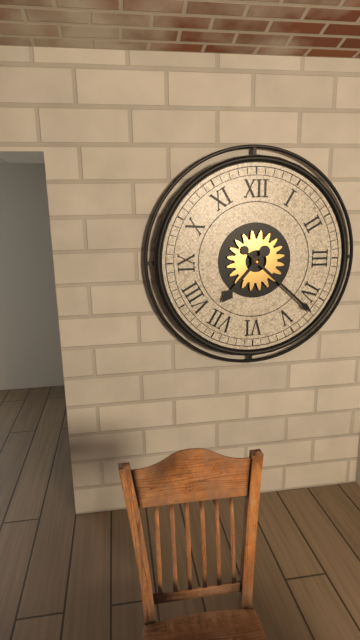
**7:22**
